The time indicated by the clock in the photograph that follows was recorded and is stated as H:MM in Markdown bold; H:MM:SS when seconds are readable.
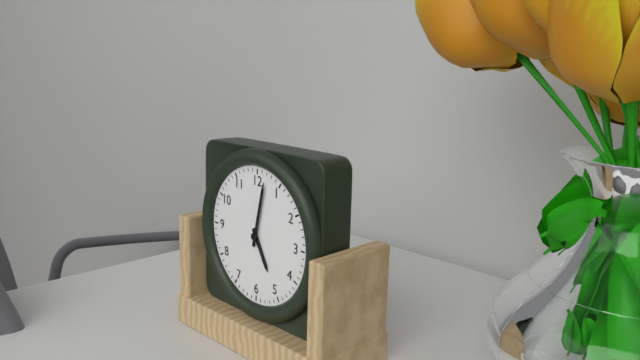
**5:02**
